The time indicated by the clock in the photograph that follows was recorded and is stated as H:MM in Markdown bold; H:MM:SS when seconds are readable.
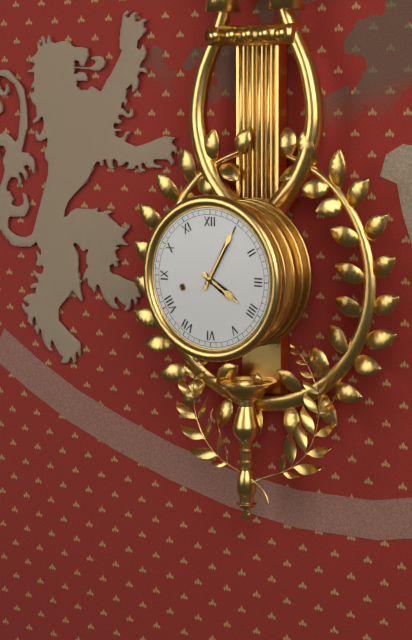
**4:05**
